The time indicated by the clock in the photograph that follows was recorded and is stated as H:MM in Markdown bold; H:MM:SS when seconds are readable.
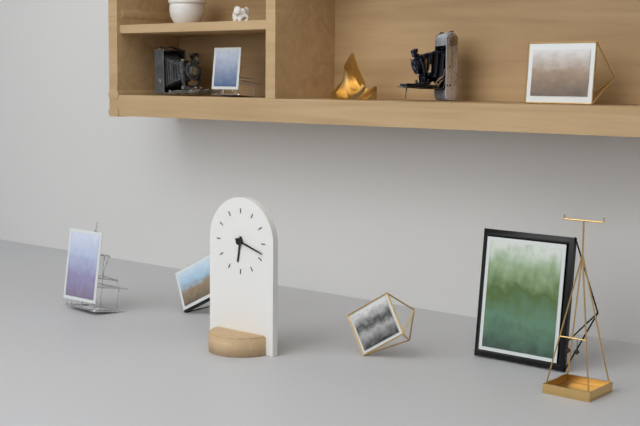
**6:18**
